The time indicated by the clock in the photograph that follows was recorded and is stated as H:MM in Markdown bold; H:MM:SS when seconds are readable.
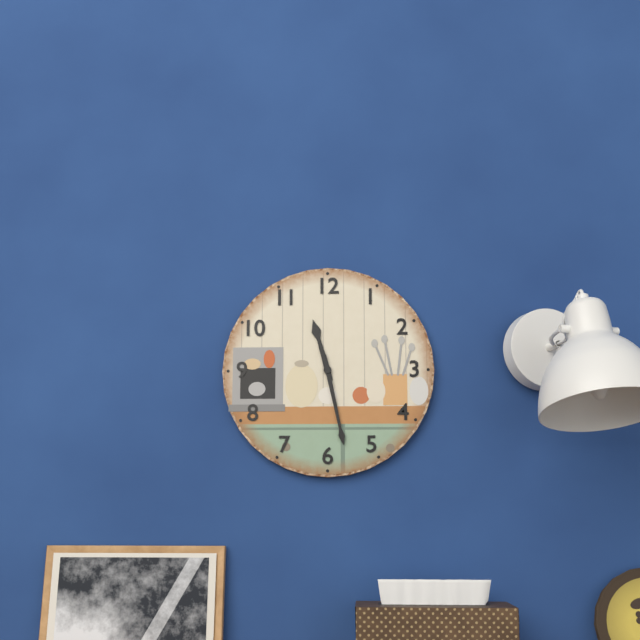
**11:28**
